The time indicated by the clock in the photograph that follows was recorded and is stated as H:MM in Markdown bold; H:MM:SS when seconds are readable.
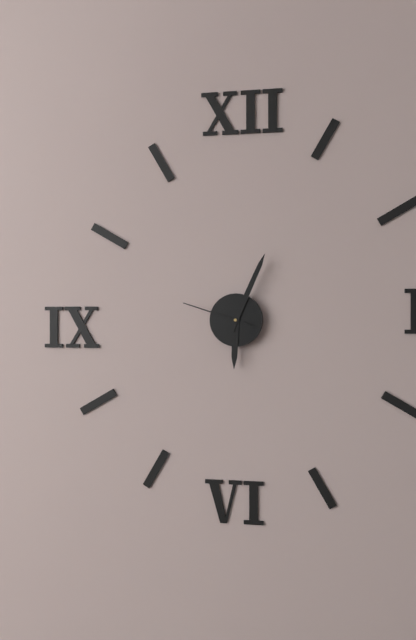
**6:04:48**
